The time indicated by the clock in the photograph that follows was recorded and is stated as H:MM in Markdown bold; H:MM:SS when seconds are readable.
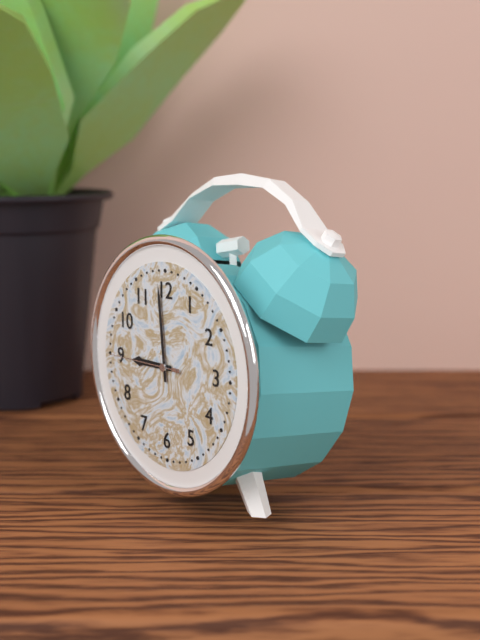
**8:59:45**
